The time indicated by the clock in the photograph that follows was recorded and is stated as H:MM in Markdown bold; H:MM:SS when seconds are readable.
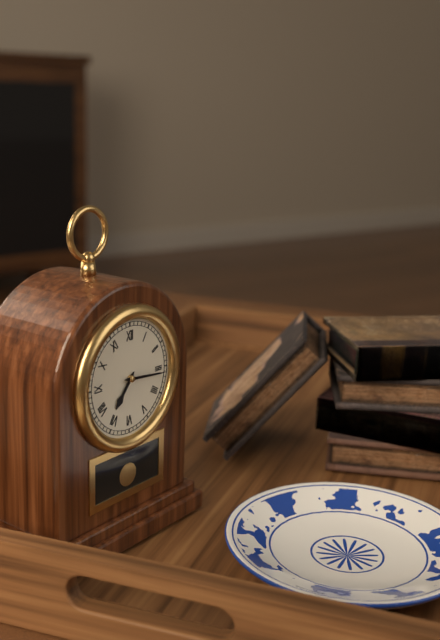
**7:16**
